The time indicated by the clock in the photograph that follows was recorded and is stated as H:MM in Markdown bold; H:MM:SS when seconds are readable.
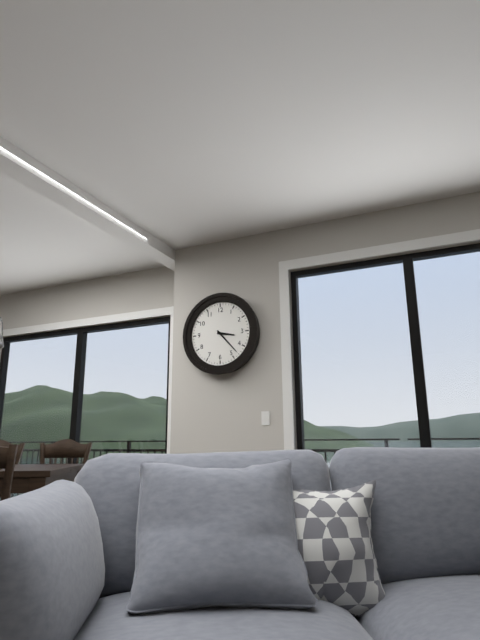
**3:23**
